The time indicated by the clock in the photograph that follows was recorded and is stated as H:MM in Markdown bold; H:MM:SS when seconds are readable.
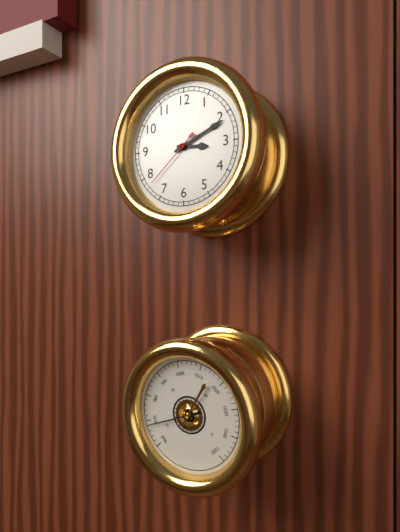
**3:11:38**
